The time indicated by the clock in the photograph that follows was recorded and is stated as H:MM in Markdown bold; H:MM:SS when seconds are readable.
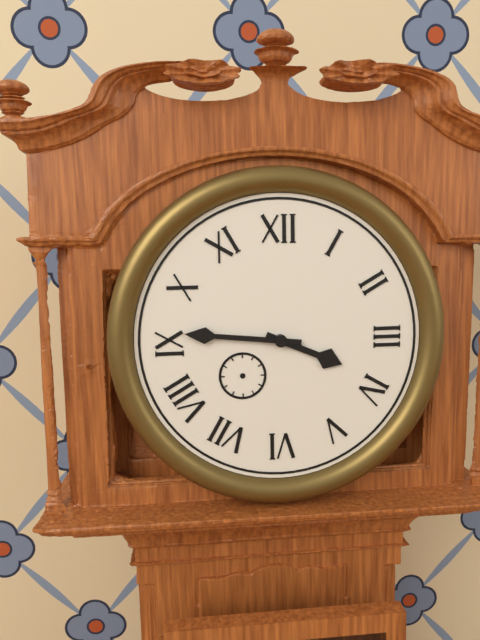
**3:46**
